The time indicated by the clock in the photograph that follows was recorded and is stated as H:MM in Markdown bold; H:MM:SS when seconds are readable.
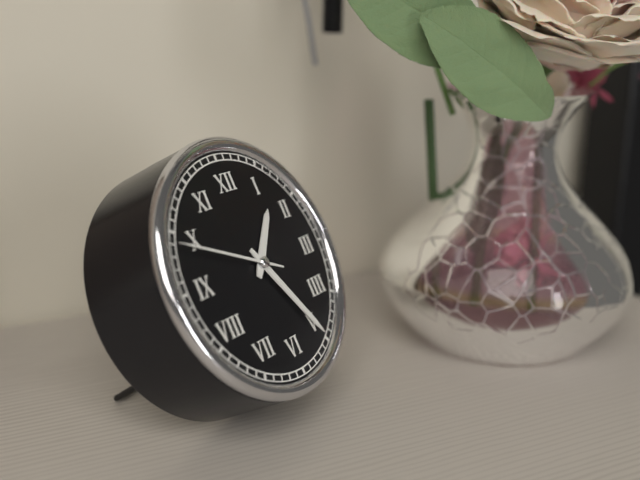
**1:25:49**
